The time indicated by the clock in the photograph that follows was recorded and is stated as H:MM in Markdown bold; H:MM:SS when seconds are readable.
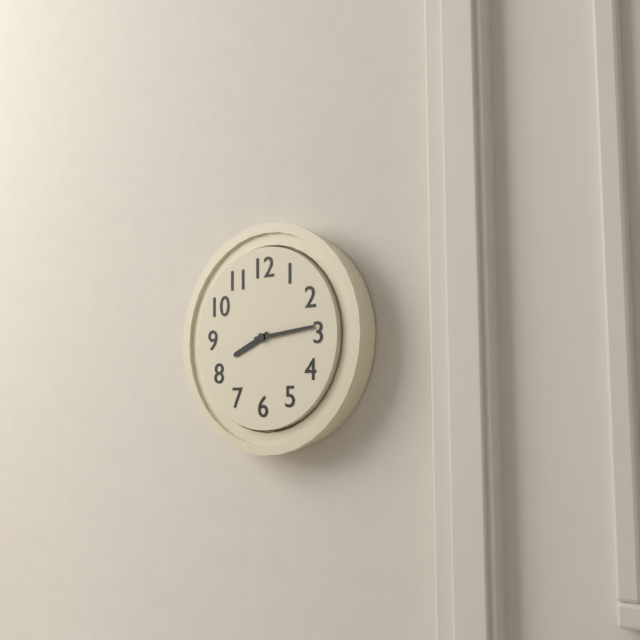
**8:14**
